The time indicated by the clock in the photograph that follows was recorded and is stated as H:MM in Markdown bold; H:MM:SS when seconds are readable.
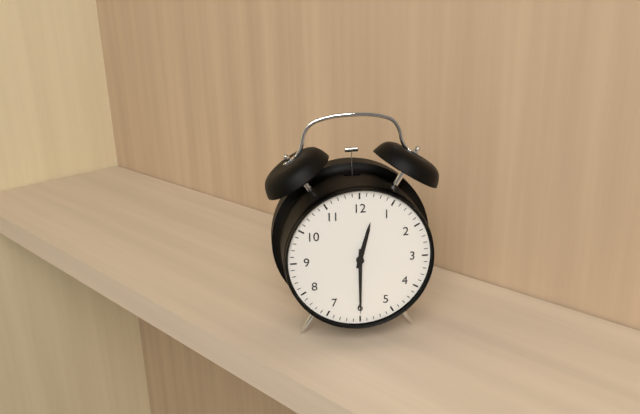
**12:30**
